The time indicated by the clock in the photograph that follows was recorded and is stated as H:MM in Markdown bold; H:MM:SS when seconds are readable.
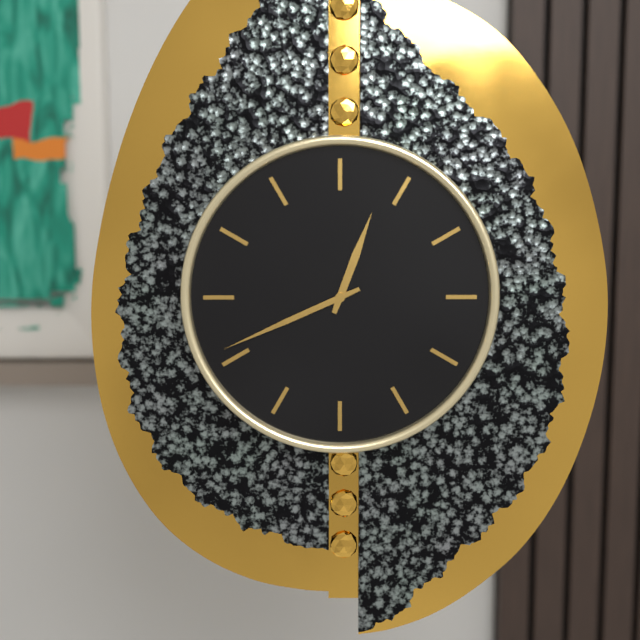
**12:41**
